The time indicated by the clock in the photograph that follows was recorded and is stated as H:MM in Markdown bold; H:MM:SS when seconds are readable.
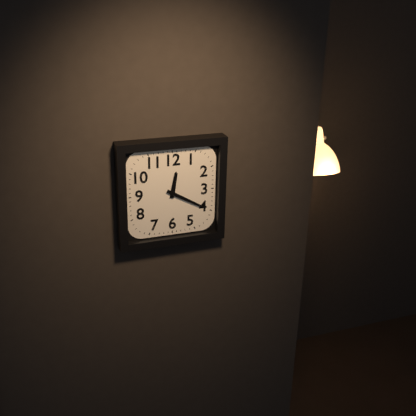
**12:20**
